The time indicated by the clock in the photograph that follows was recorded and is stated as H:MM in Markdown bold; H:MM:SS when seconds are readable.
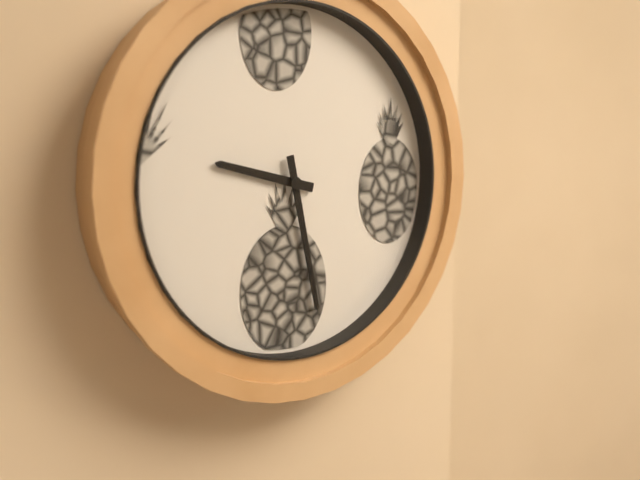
**9:28**
